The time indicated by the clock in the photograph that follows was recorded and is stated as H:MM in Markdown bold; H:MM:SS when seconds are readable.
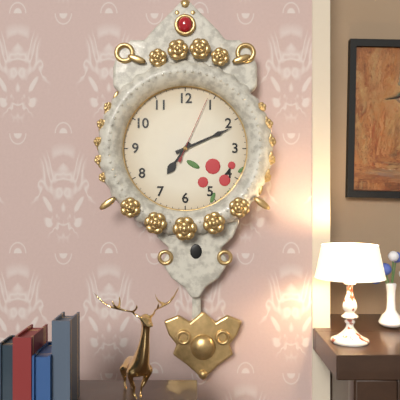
**7:11:04**
